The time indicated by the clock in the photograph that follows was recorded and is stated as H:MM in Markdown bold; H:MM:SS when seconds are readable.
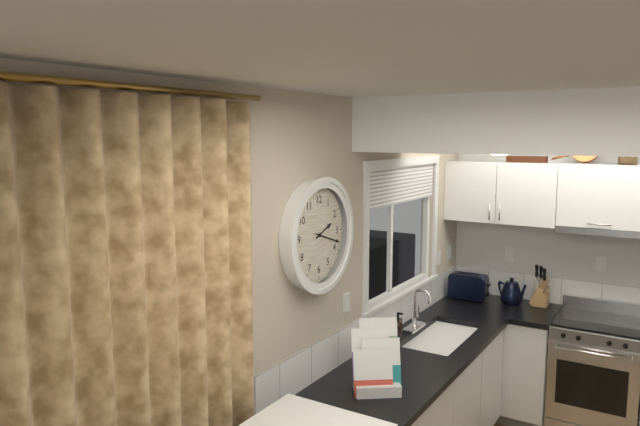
**2:18**
